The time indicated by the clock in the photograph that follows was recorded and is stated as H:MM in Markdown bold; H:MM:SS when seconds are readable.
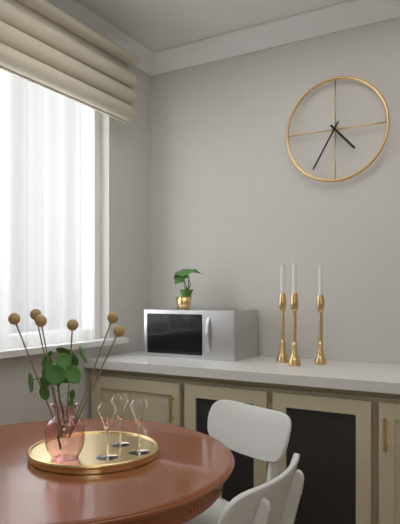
**4:35**
